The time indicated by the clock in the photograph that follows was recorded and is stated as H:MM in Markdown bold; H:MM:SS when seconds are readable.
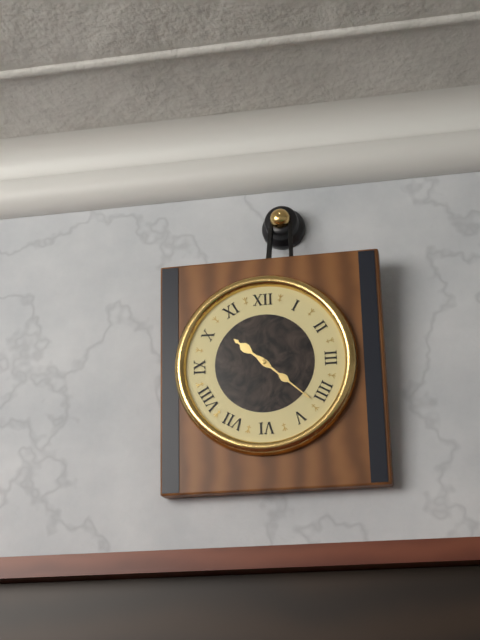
**10:22**
